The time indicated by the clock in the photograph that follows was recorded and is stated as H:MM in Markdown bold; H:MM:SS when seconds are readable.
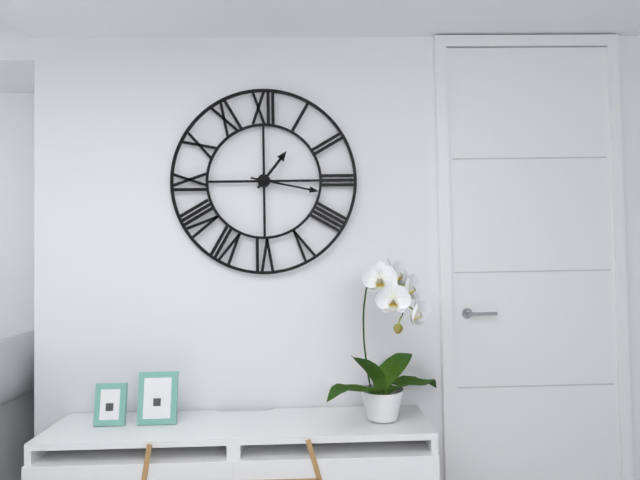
**1:17**
